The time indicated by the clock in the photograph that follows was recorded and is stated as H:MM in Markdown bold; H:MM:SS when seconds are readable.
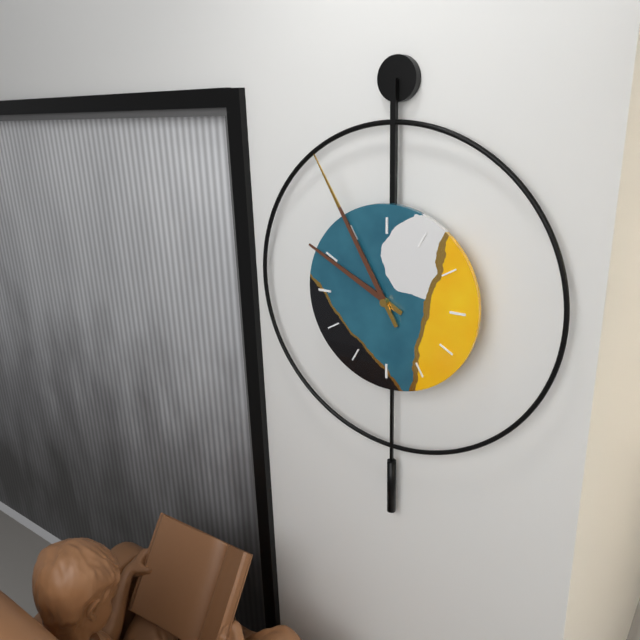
**9:55**
